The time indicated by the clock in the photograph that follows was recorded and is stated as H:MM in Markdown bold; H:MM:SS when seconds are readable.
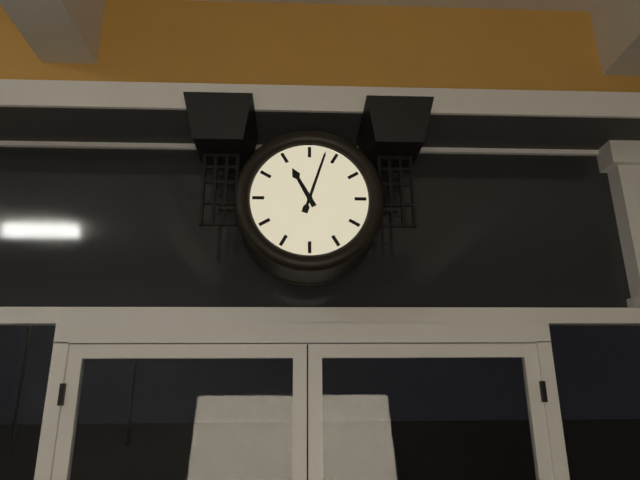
**11:03**
